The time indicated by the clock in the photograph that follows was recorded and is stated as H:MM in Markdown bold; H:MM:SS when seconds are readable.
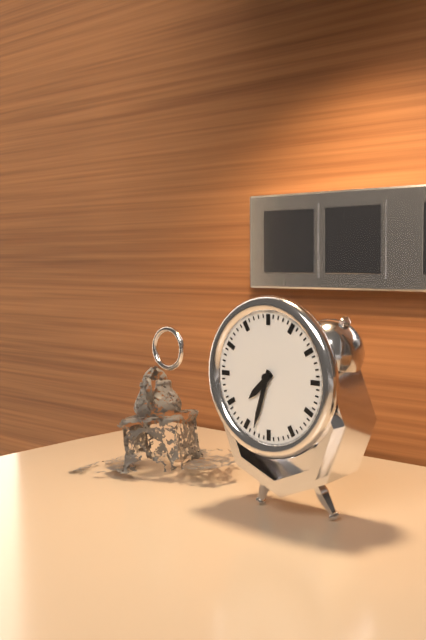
**7:33**
